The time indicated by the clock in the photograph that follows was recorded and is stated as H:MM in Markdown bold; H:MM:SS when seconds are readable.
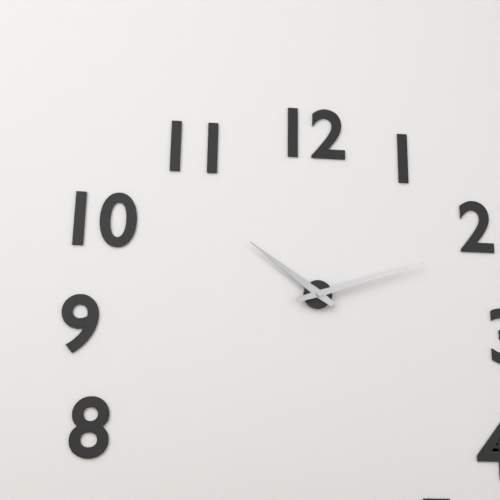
**10:12**
